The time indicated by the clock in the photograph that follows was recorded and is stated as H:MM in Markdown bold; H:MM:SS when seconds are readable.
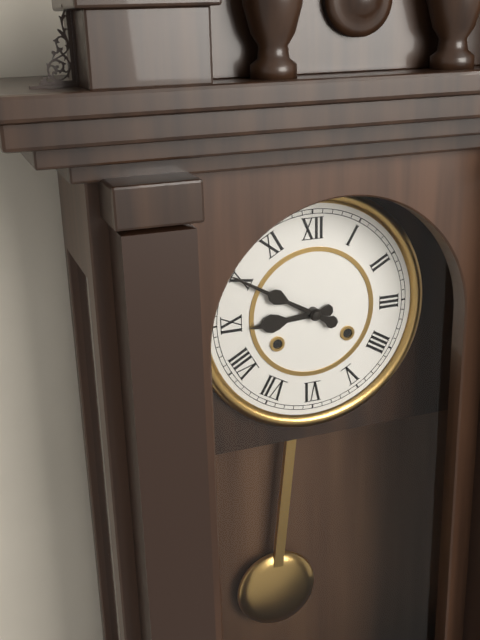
**8:50**
